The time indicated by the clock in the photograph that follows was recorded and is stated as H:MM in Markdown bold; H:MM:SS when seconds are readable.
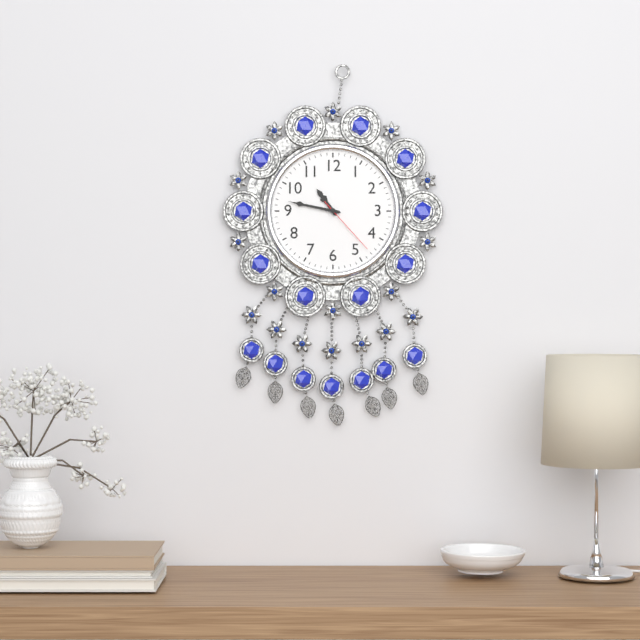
**10:47:23**
